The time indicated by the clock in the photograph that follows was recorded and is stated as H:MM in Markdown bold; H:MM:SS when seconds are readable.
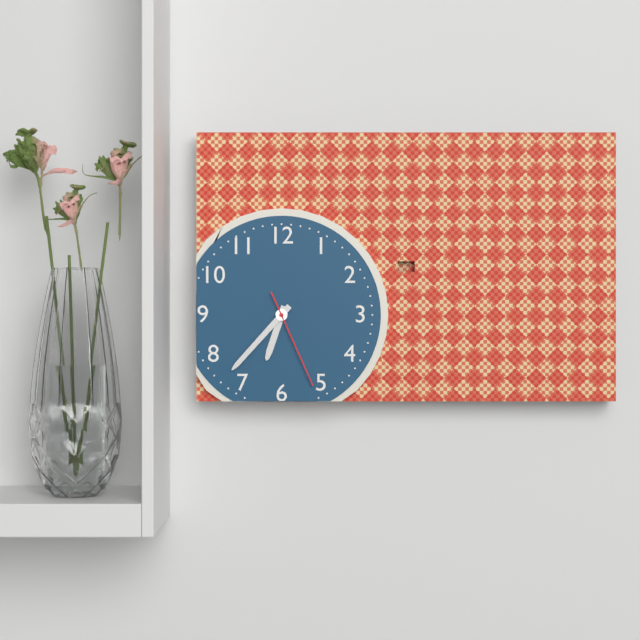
**6:37:26**
